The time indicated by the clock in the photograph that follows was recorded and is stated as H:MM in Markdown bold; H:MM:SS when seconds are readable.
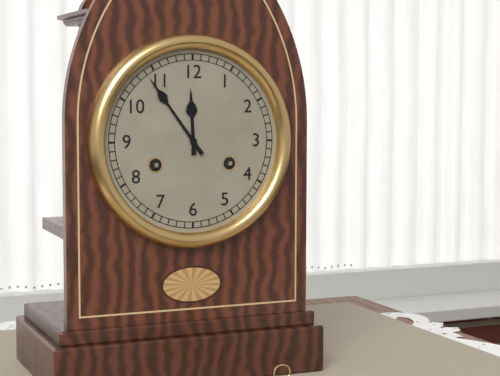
**11:54**
